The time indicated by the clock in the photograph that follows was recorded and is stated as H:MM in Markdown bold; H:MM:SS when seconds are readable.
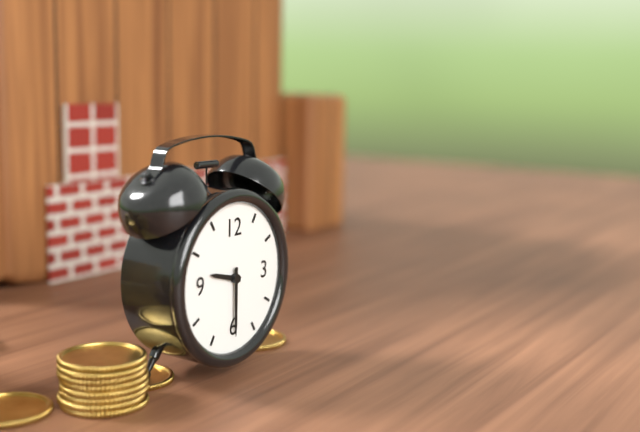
**9:30**
